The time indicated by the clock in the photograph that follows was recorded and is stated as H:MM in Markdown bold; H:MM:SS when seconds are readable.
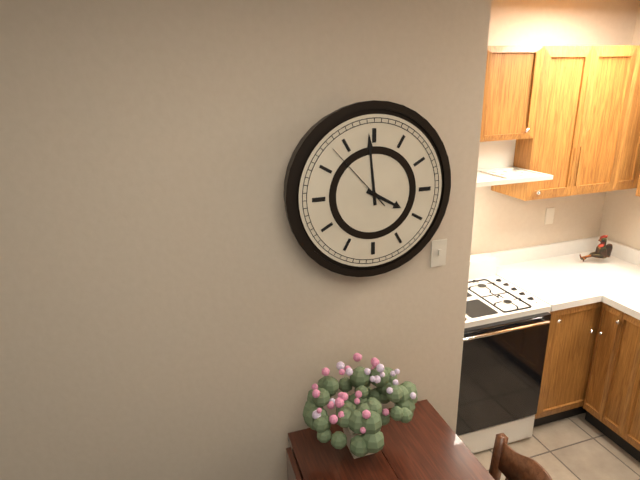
**3:59:53**
